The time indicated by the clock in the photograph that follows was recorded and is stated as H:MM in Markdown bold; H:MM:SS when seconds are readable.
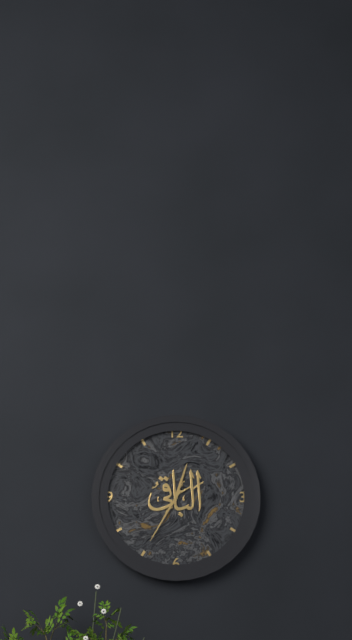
**12:35**
